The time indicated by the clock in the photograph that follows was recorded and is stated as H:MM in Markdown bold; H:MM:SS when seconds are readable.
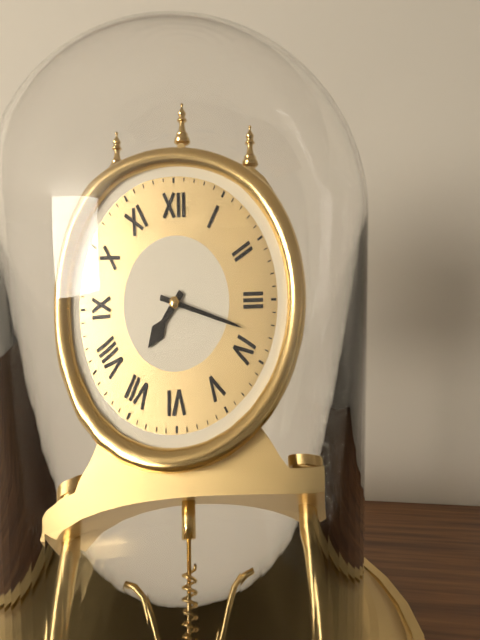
**7:18**
